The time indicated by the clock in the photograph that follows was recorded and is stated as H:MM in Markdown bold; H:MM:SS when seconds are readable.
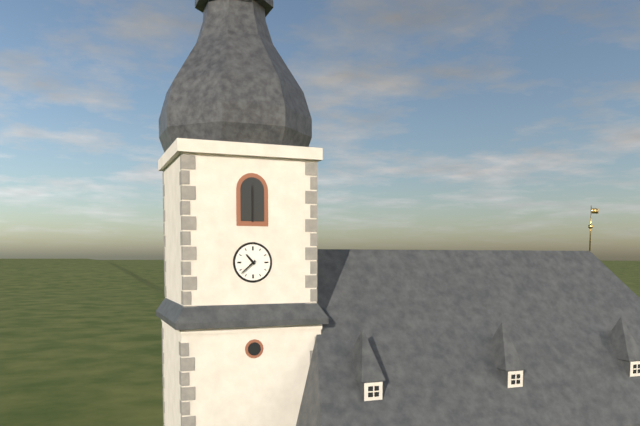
**10:38**
